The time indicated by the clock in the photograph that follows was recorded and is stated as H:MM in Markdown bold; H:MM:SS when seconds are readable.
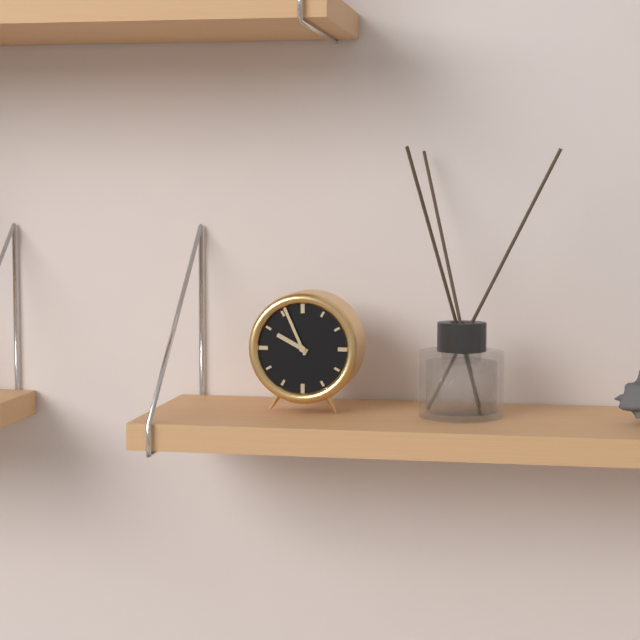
**9:56**
